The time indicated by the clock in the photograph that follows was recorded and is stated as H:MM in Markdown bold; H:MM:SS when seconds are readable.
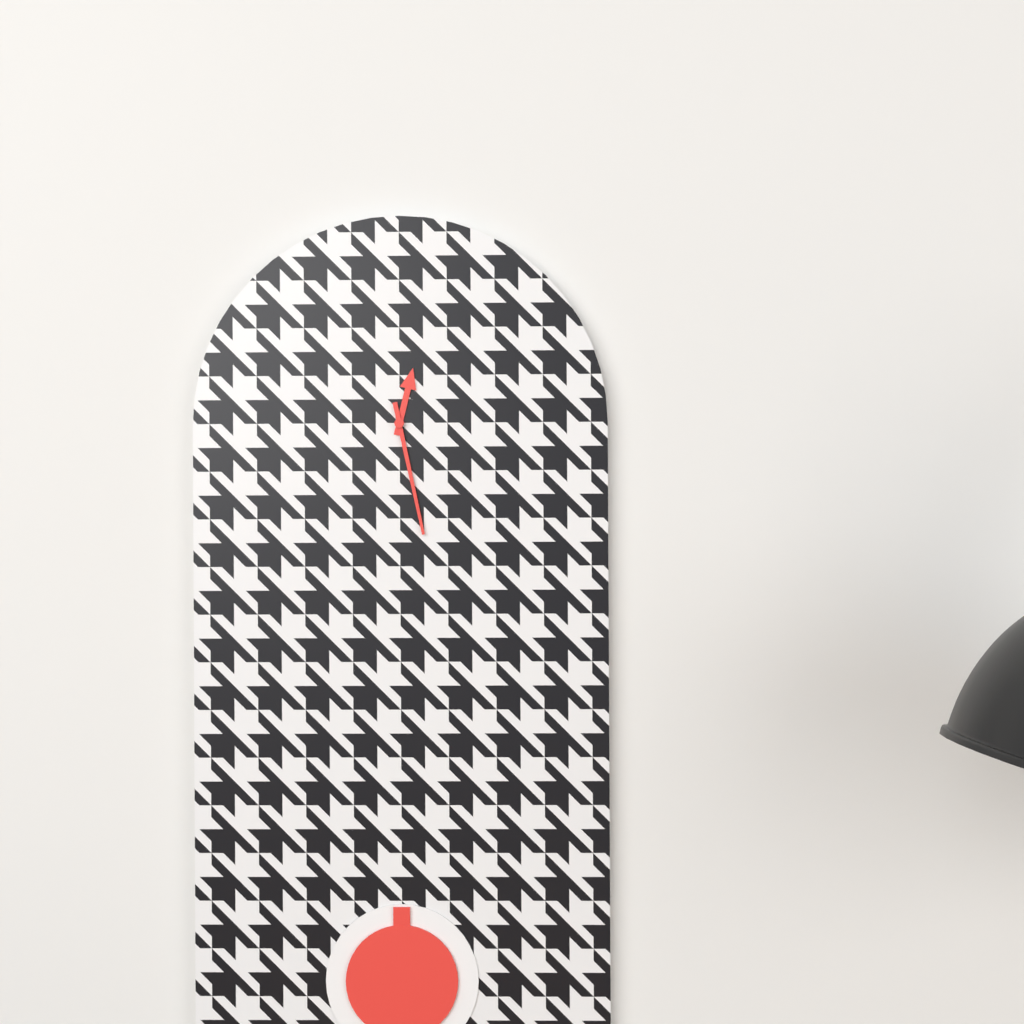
**12:28**
